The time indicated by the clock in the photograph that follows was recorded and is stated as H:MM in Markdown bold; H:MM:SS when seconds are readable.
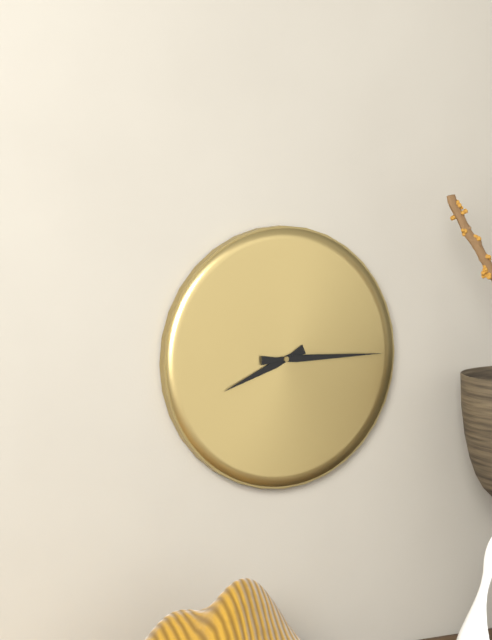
**8:15**
